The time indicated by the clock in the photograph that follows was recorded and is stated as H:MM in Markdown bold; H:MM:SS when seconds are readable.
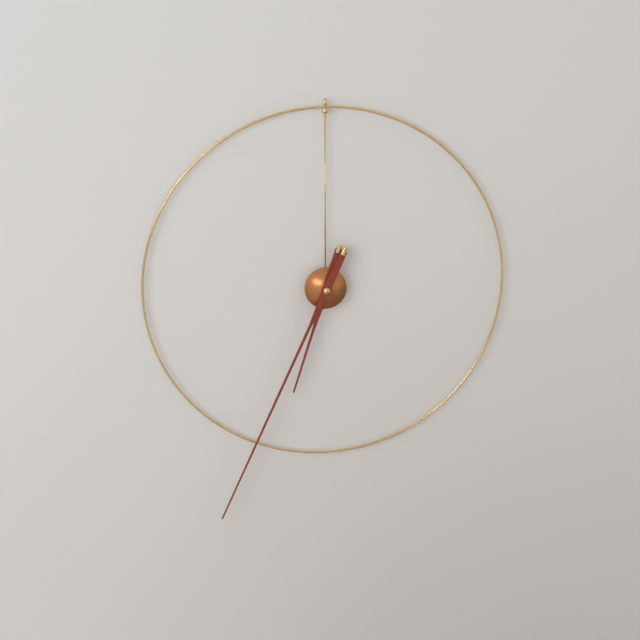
**6:34**
